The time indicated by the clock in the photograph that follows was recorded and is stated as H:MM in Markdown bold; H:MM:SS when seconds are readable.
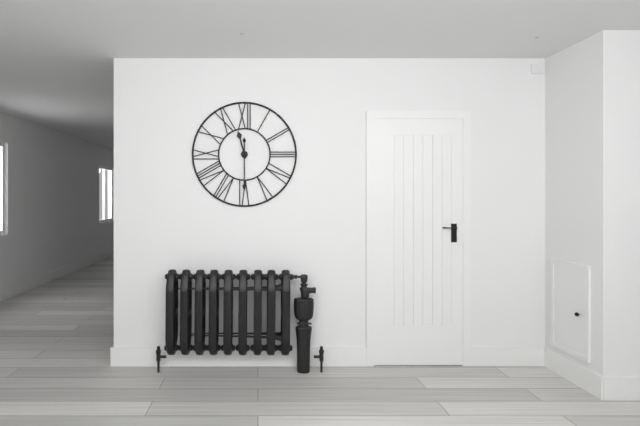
**11:30**
